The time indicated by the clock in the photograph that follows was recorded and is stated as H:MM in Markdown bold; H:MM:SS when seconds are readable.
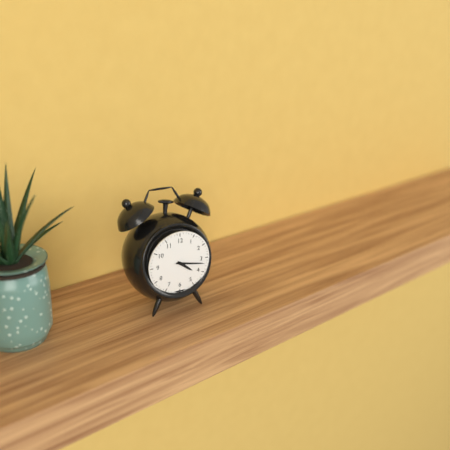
**4:17**
